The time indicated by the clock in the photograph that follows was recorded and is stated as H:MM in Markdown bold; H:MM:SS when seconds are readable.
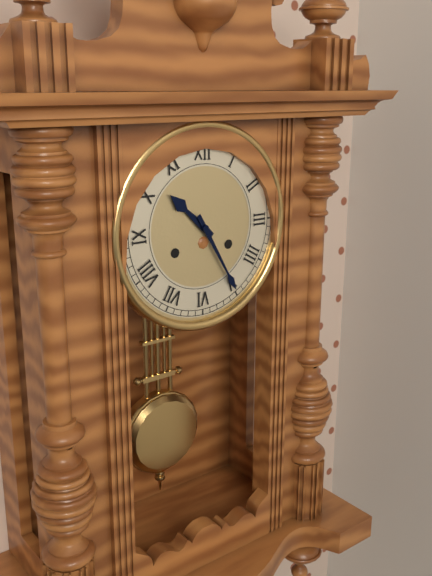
**10:25**
